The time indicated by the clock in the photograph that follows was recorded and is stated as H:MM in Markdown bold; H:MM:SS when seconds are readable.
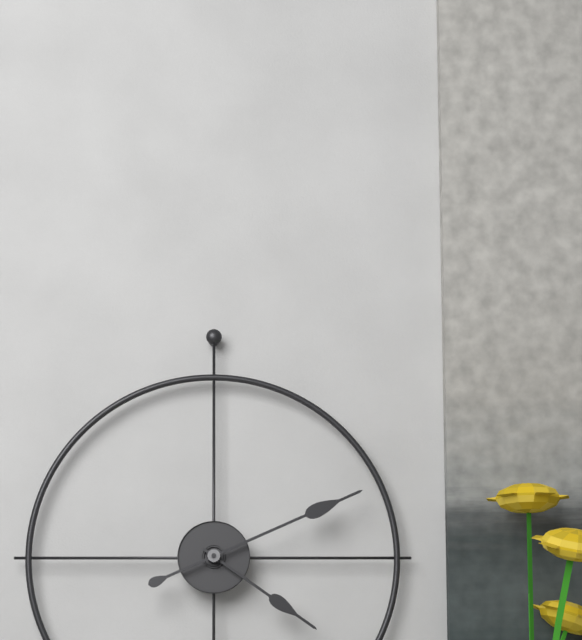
**4:11**
